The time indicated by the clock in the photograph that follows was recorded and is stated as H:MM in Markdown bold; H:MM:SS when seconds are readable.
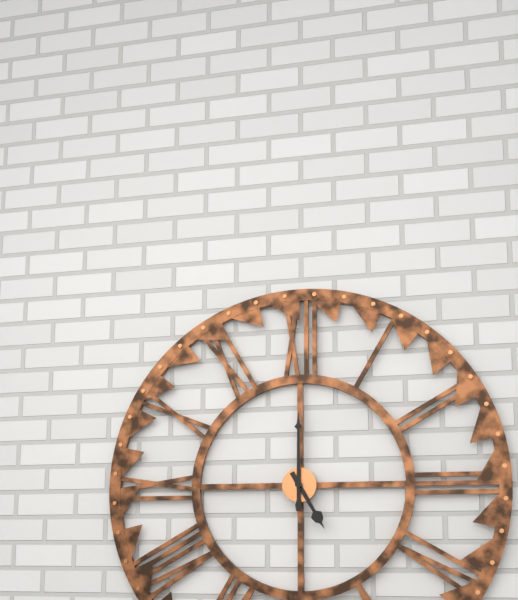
**5:00**
